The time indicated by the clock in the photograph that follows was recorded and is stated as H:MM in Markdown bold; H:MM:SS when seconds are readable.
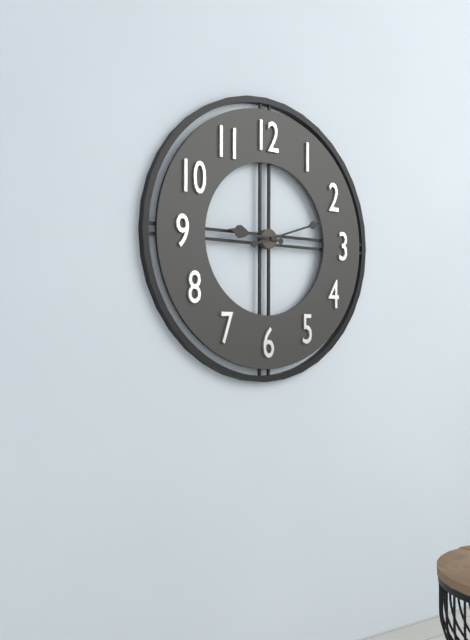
**9:12**
